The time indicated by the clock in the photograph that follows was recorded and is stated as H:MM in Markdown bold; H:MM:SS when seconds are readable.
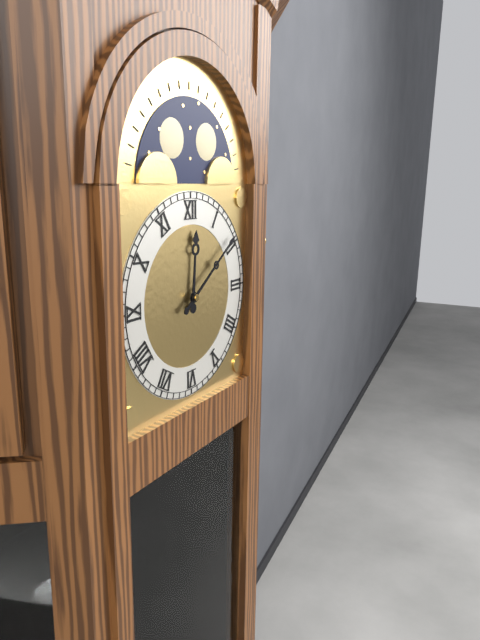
**12:09**
